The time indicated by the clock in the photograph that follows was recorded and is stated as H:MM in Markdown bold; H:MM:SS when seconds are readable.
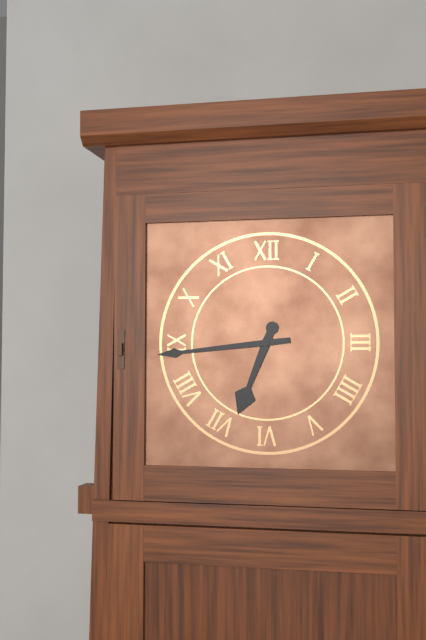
**6:44**
